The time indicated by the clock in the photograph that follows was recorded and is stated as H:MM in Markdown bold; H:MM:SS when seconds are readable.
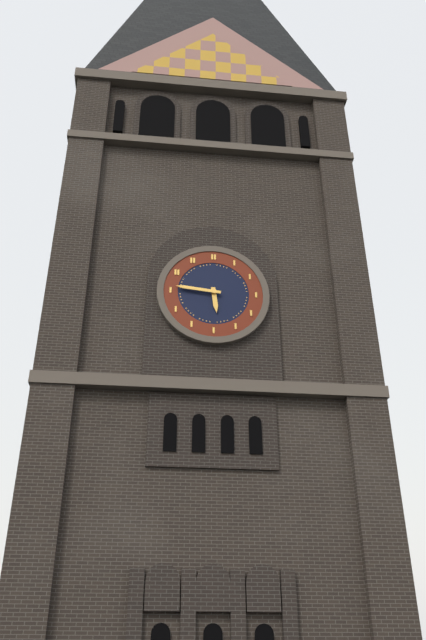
**5:46**
